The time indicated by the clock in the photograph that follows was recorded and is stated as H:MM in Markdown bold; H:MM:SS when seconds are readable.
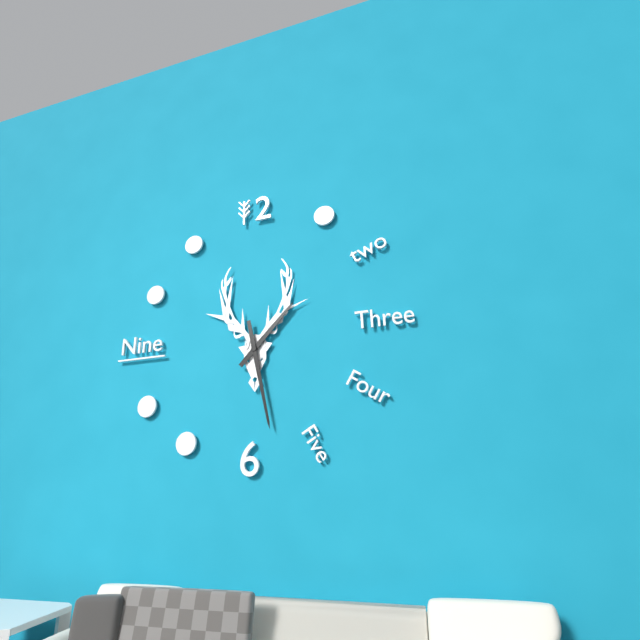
**1:28**
